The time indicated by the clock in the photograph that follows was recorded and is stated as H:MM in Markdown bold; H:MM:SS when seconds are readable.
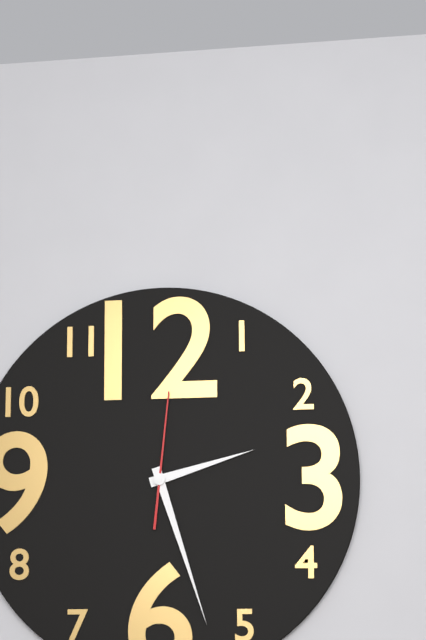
**2:27:01**
